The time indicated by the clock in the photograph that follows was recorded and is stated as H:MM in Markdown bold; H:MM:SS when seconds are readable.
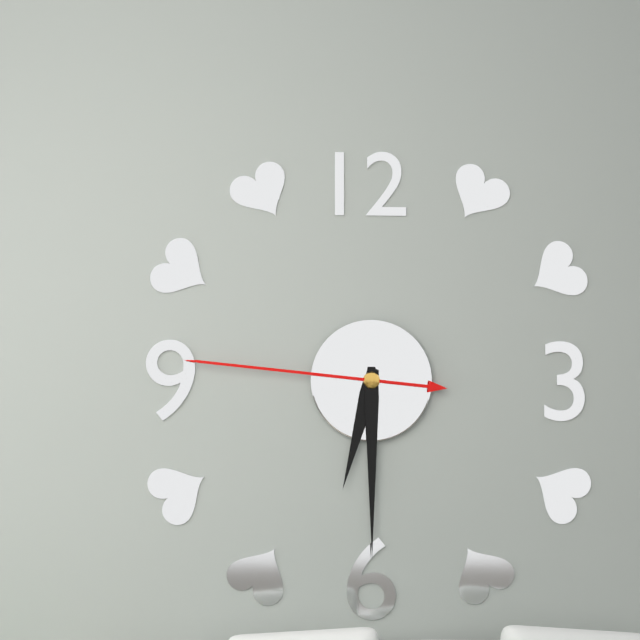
**6:30:46**
